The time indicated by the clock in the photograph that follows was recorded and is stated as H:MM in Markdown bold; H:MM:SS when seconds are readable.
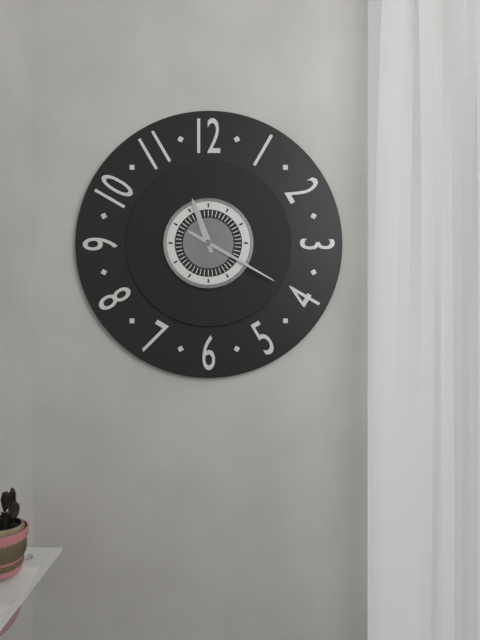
**11:20**
